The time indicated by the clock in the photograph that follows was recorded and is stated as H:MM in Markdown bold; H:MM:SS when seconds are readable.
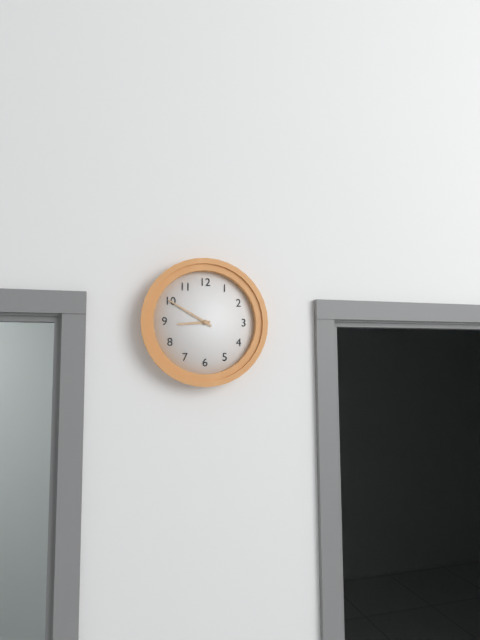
**8:50**
